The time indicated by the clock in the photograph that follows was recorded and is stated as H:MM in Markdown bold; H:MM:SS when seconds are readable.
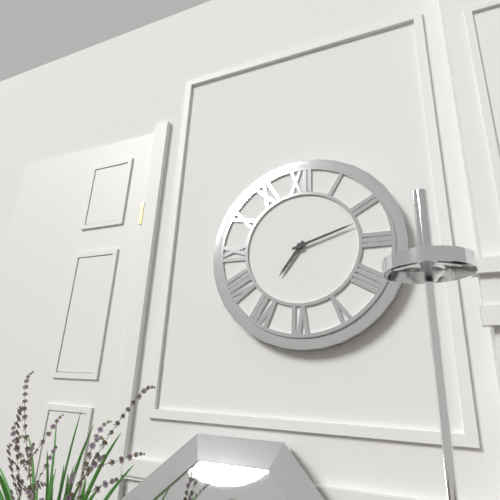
**7:12**
